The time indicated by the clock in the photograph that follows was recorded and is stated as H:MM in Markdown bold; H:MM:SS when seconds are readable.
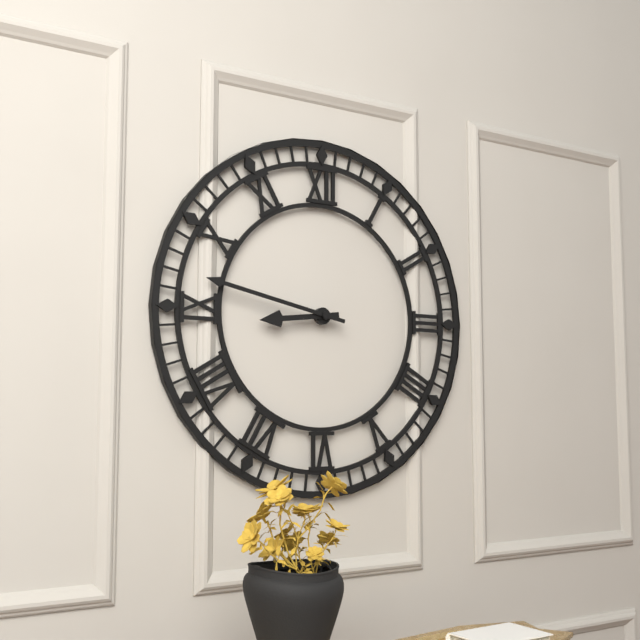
**8:47**
